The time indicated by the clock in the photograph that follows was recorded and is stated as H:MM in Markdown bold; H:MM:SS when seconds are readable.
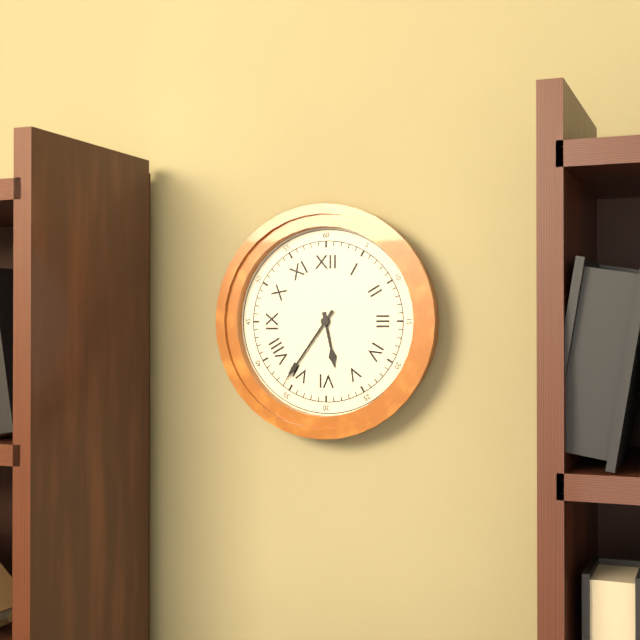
**5:36**
